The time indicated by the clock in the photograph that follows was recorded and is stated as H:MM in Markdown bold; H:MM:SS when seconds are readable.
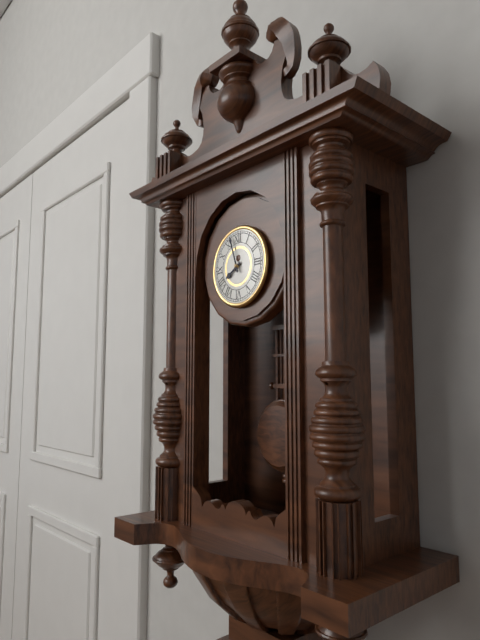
**7:57**
